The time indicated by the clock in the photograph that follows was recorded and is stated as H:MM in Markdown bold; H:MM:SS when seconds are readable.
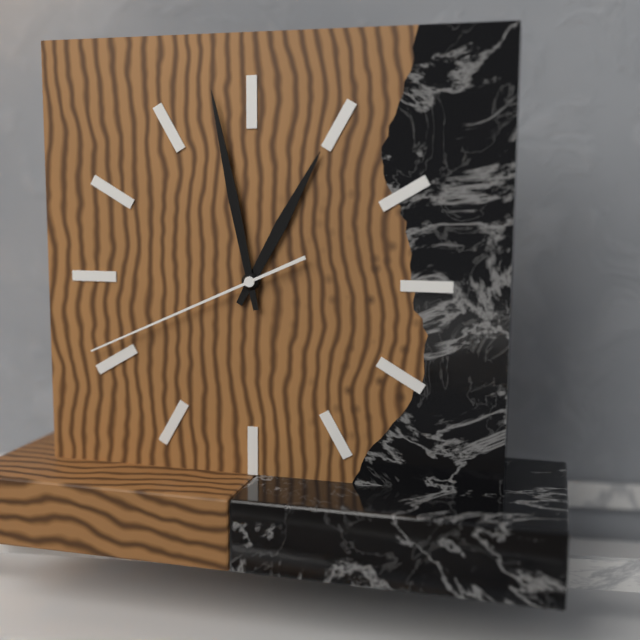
**12:58:41**
